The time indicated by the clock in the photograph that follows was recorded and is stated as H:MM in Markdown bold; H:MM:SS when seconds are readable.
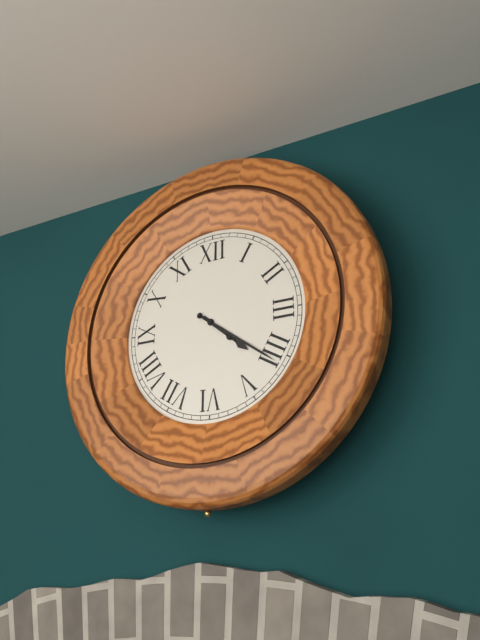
**4:21**
